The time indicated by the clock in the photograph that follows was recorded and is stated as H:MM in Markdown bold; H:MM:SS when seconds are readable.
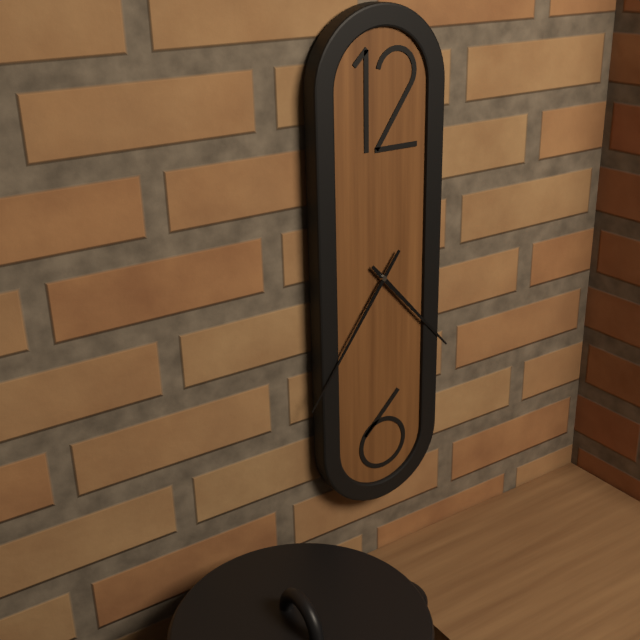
**4:36**
